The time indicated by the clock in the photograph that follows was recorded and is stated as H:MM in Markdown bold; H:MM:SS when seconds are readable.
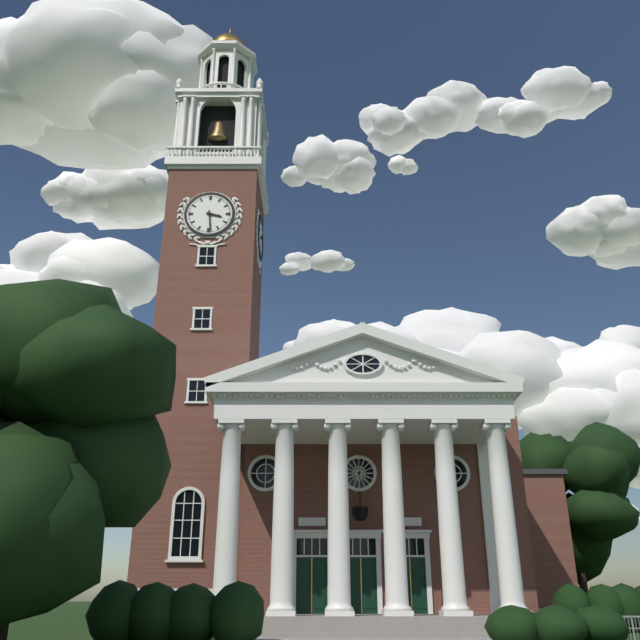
**3:29**
